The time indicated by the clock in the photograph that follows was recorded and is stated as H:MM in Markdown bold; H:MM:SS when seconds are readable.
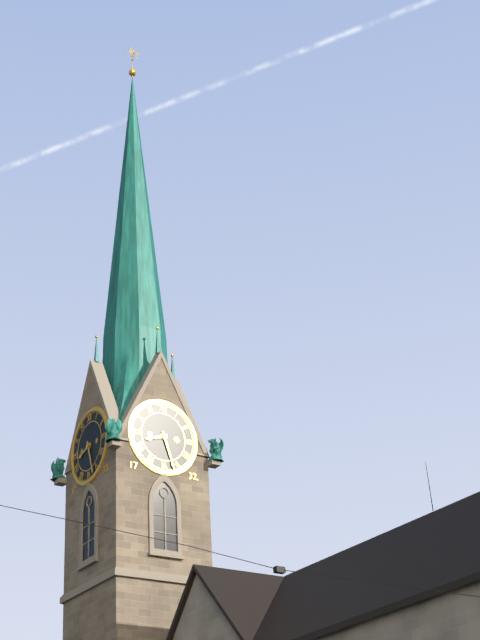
**8:27**
